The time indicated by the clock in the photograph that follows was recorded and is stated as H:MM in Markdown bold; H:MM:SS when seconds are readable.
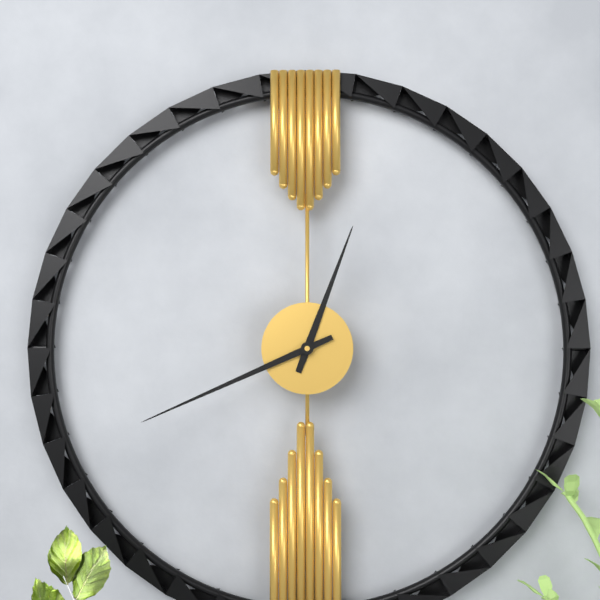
**12:41**
